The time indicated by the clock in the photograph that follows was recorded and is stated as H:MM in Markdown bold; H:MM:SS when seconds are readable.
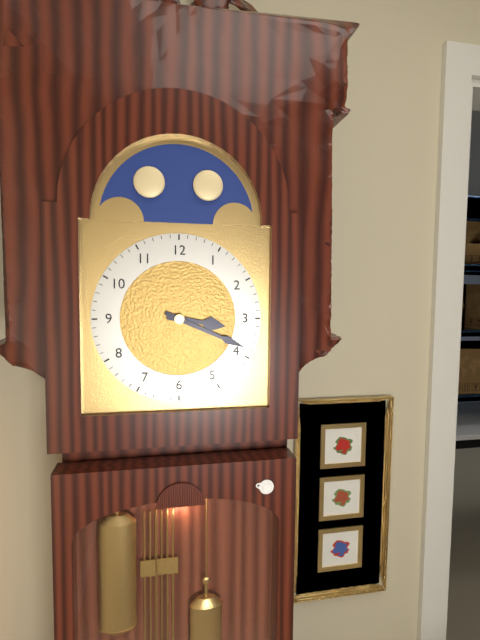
**3:19**
